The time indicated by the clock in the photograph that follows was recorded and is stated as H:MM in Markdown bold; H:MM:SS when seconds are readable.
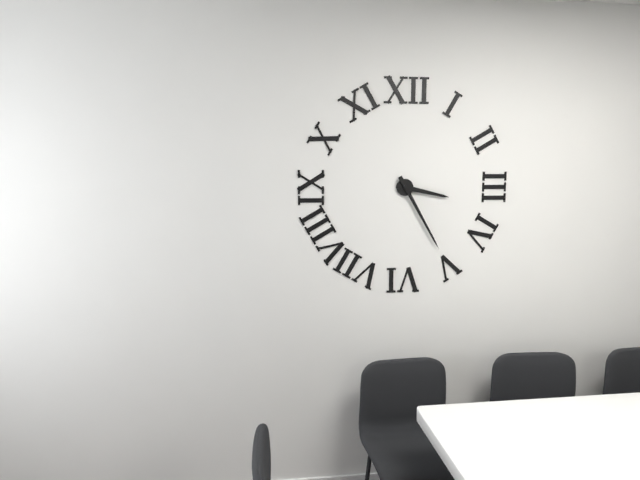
**3:25**
